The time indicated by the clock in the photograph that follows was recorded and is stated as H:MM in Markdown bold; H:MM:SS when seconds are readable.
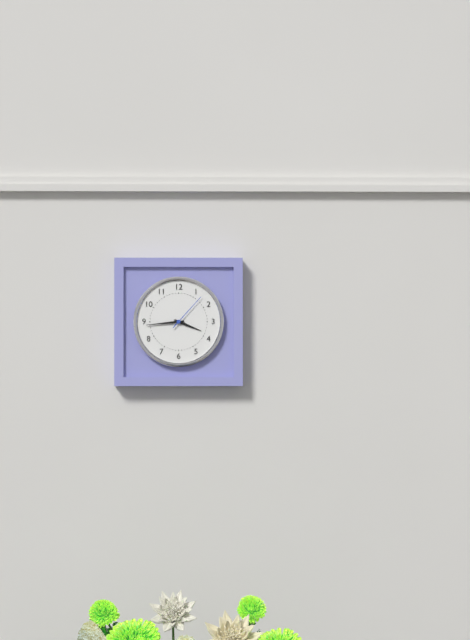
**3:44**
